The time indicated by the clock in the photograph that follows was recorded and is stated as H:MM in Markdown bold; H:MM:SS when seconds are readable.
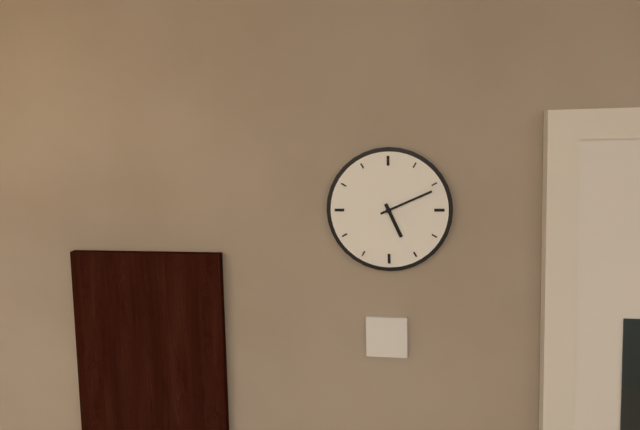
**5:11**
